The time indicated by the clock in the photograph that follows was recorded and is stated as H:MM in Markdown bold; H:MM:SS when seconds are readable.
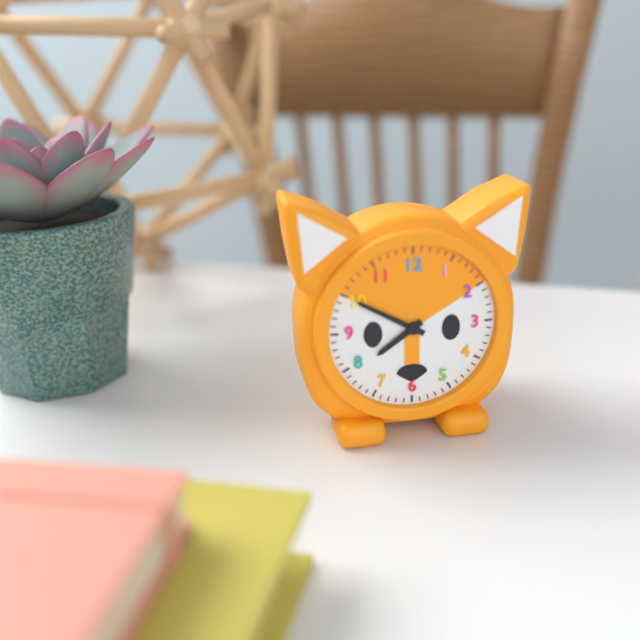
**7:50**
